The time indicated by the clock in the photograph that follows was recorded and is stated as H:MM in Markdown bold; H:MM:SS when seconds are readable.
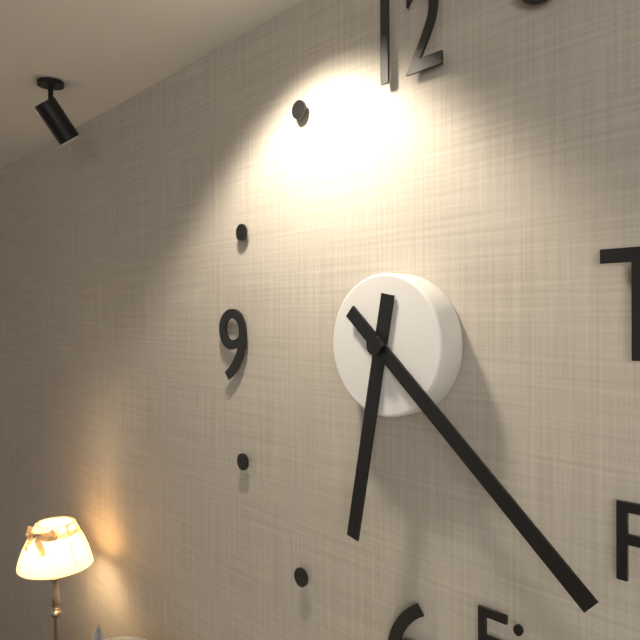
**6:22**
